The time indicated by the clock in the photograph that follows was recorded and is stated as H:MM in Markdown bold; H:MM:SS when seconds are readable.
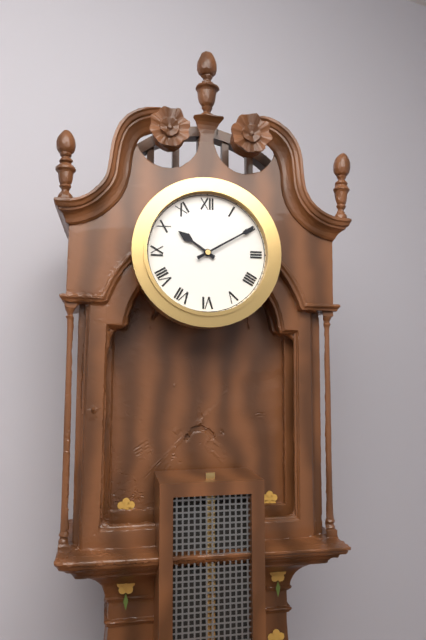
**10:10**
